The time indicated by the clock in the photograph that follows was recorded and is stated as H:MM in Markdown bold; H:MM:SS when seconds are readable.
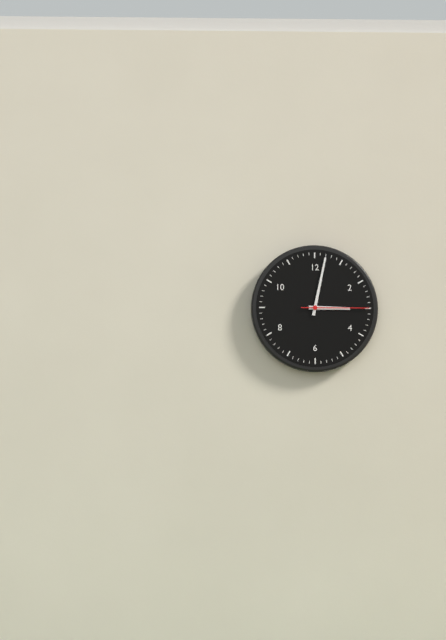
**3:02:15**
